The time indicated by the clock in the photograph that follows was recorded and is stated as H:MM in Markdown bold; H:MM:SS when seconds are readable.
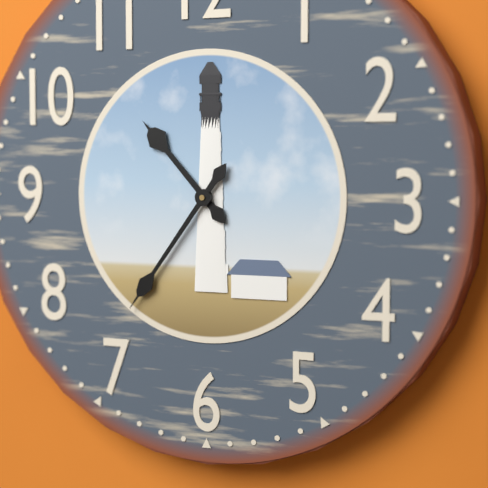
**10:36**
